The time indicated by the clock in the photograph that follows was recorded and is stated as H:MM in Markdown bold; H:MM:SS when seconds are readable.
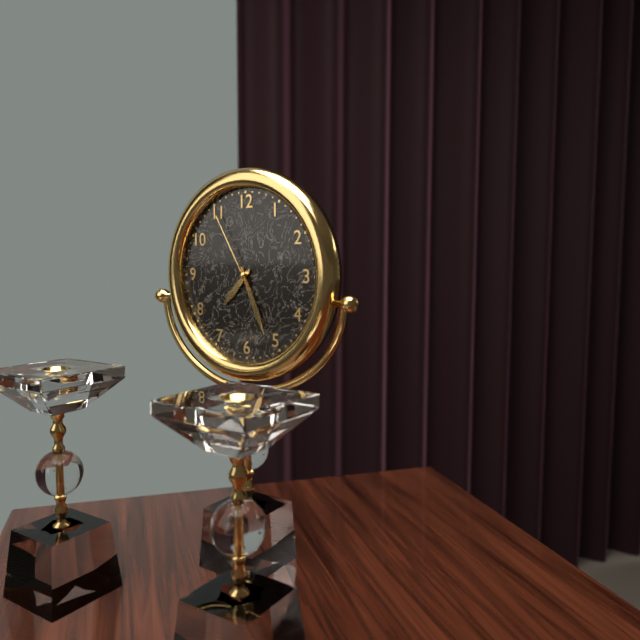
**7:26:55**
